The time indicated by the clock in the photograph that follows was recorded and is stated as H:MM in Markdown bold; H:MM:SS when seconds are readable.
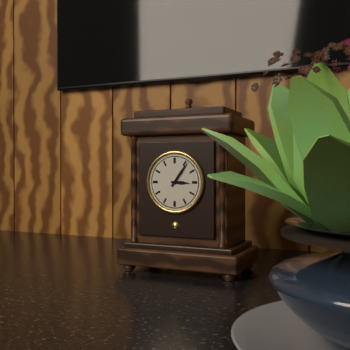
**3:06**
